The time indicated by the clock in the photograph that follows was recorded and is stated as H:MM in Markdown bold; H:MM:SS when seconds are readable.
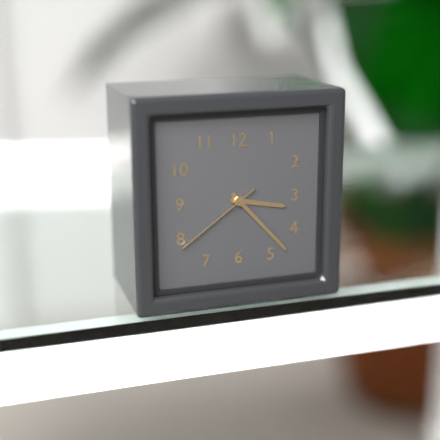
**3:23:39**
